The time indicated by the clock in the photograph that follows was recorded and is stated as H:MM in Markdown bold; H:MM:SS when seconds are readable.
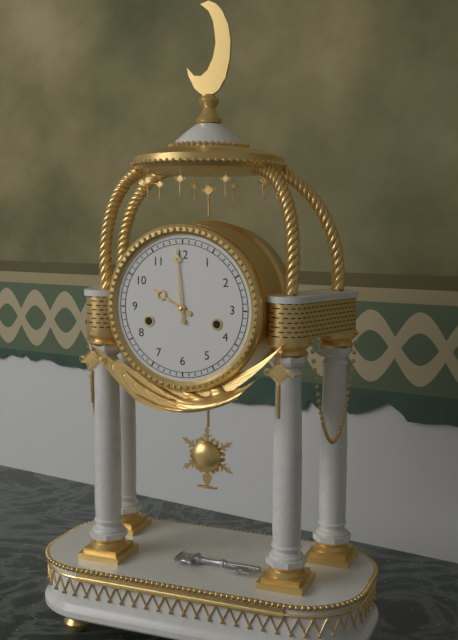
**9:59**
